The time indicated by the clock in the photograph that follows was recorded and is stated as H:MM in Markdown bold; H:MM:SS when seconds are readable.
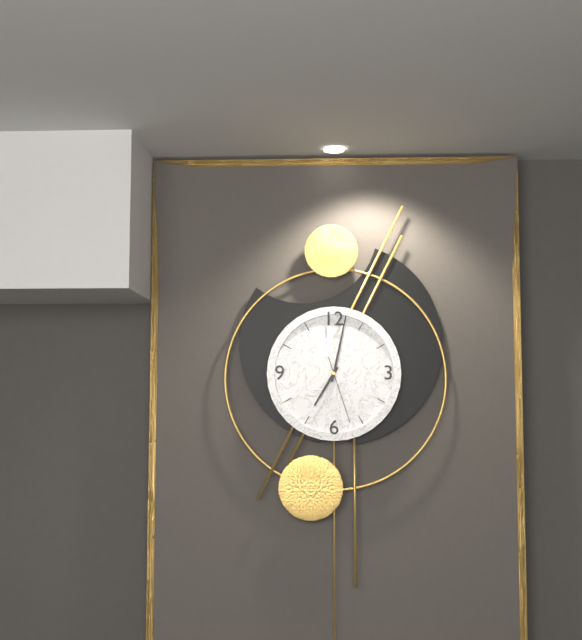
**7:02:27**
